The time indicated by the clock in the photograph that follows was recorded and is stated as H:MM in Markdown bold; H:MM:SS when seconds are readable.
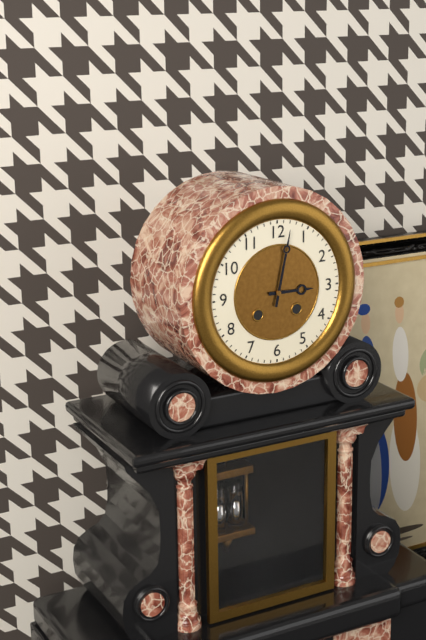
**3:02**
